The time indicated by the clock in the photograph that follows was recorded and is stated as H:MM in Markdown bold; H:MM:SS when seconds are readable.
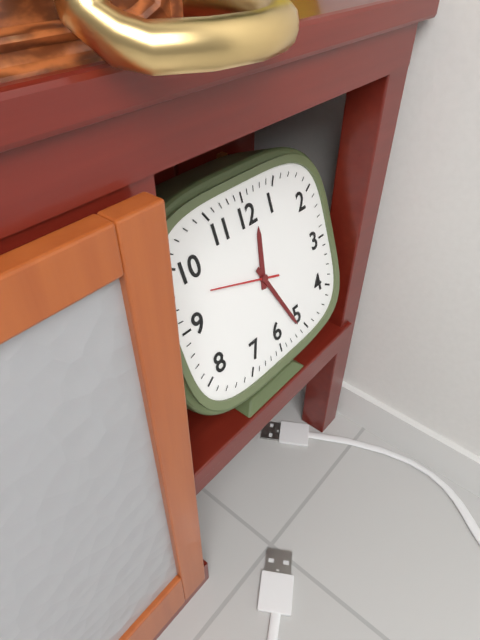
**12:26**
